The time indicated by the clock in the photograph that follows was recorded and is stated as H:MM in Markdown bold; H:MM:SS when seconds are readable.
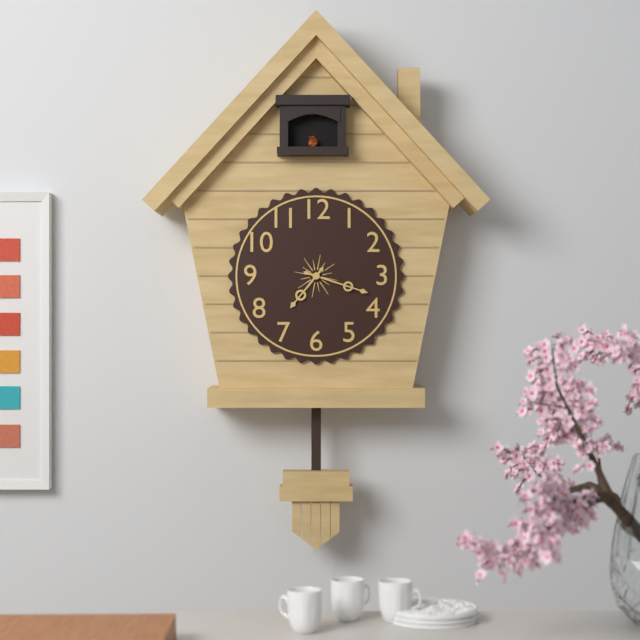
**7:18**
